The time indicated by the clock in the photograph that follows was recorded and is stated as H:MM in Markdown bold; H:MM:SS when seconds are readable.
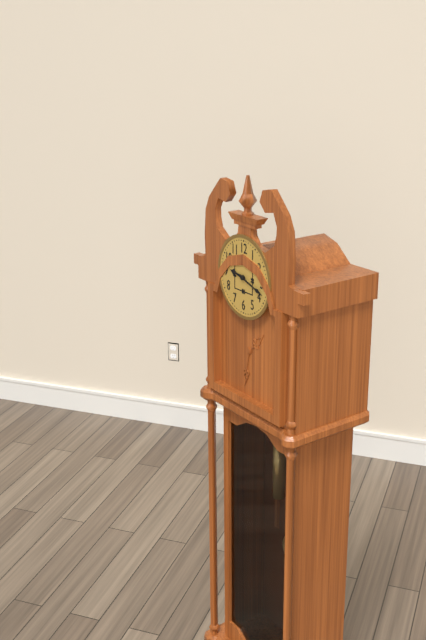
**9:18**
